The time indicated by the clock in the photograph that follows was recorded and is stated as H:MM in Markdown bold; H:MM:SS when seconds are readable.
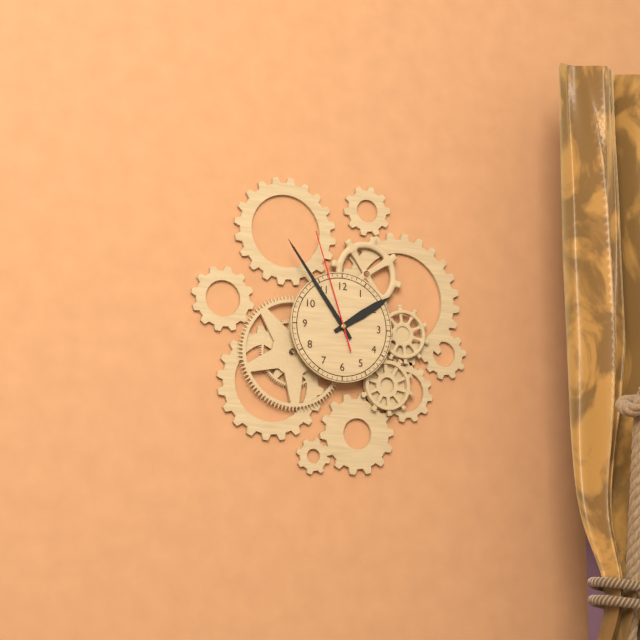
**1:54:57**
